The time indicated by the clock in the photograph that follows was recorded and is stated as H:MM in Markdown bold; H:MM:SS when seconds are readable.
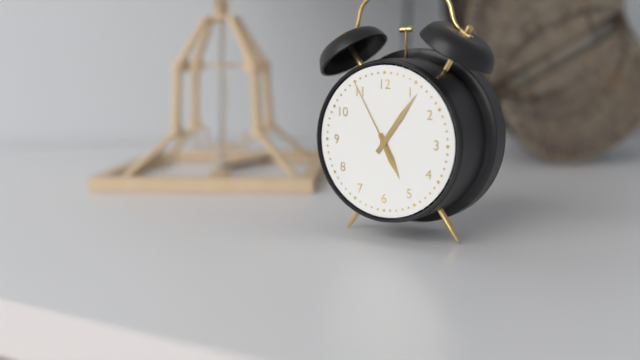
**5:06:55**
